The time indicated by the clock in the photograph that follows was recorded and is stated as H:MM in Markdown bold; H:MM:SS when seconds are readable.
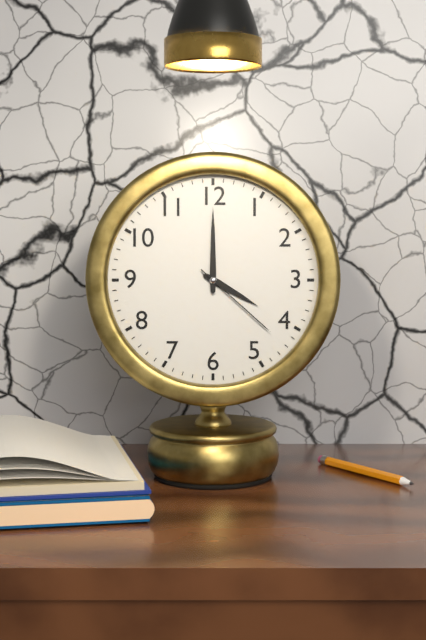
**4:00:22**
